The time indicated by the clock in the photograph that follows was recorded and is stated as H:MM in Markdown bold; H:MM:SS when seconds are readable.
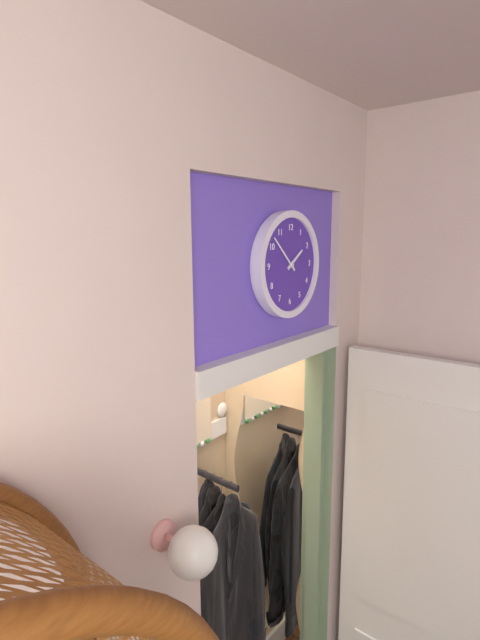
**1:52**
